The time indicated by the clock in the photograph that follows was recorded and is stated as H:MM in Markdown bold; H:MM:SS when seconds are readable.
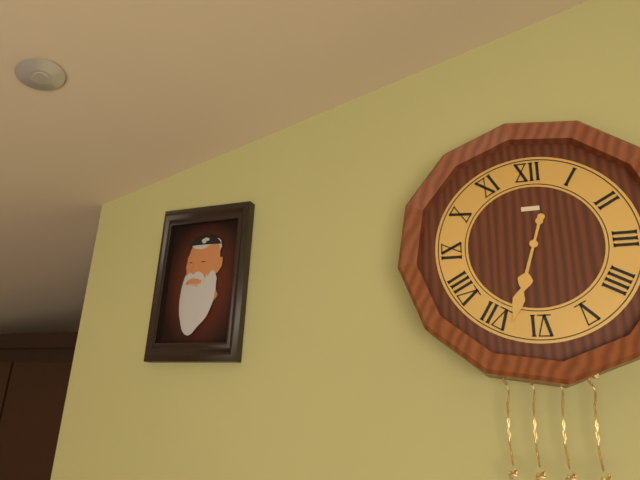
**6:33**
